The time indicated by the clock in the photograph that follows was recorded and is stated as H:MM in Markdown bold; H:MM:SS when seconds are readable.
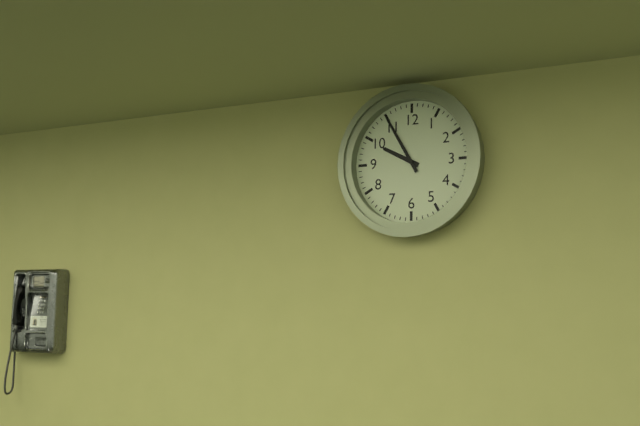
**9:55**
